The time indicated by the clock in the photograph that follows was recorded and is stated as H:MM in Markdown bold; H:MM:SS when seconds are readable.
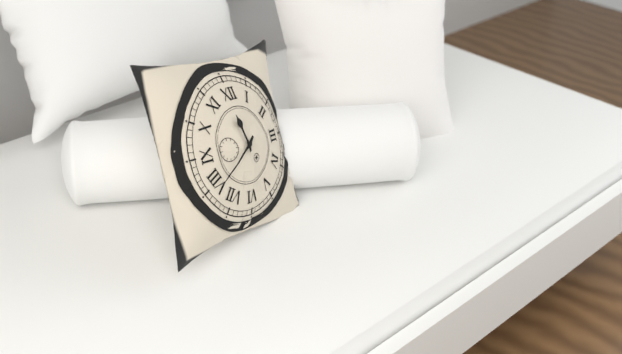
**11:39**
